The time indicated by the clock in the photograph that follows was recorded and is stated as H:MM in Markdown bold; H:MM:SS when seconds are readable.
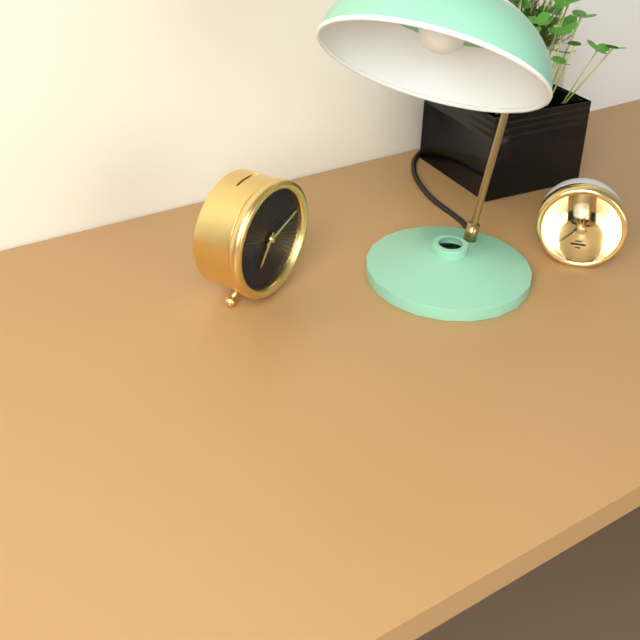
**7:12**
